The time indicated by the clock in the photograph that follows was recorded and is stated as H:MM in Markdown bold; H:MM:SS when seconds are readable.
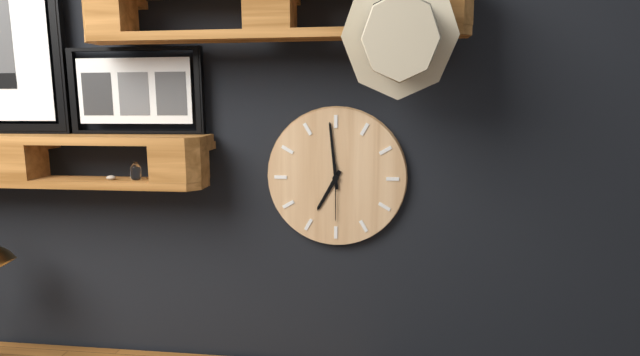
**6:59:30**
